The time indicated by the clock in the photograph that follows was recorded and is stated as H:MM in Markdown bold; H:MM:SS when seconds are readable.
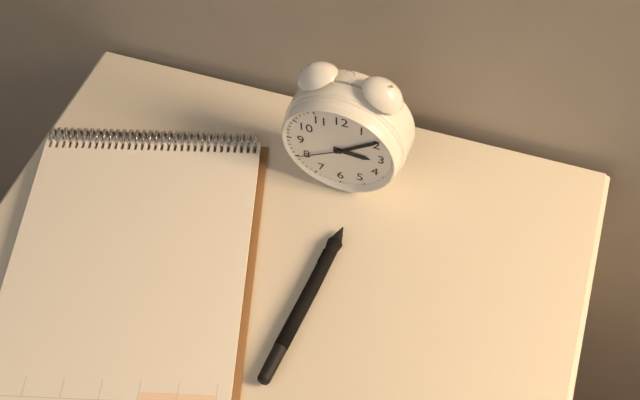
**3:09:40**
